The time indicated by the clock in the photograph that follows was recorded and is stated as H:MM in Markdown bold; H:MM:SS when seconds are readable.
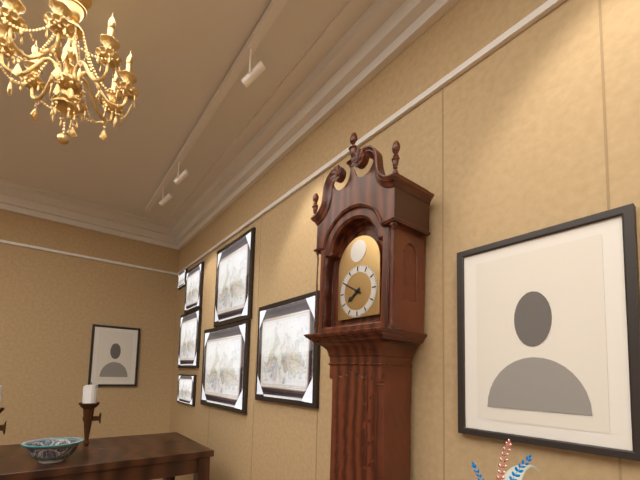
**7:50**
